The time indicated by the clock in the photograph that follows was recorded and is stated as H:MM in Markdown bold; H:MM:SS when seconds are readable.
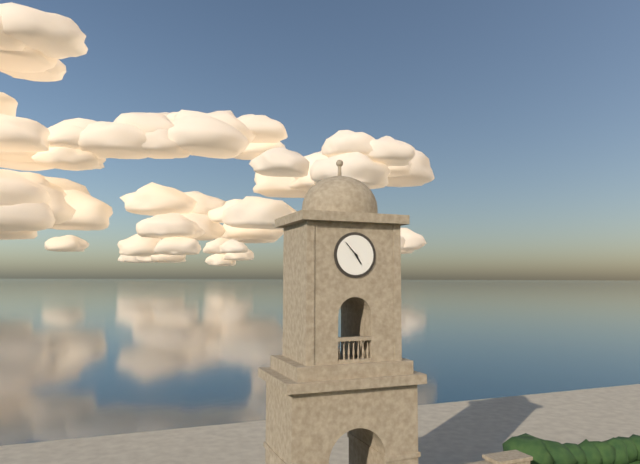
**4:53**
